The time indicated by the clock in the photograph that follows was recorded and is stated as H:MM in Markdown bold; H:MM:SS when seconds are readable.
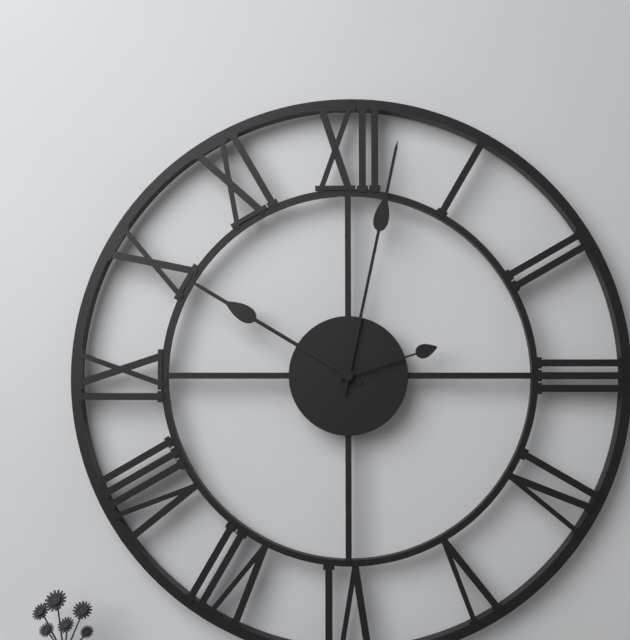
**10:02:12**
